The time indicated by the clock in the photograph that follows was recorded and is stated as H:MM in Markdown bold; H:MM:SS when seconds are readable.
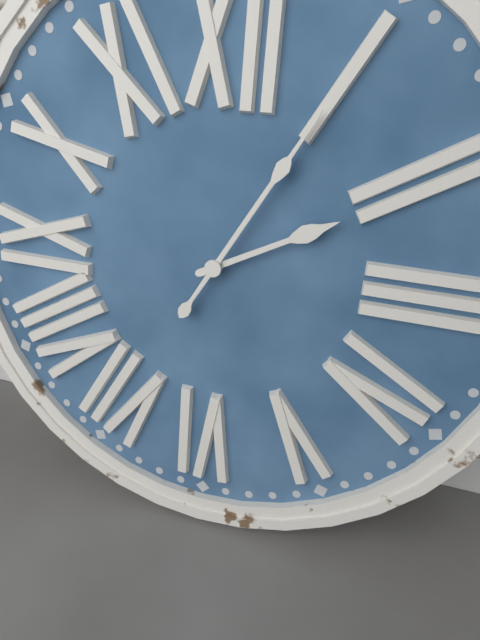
**2:05**
